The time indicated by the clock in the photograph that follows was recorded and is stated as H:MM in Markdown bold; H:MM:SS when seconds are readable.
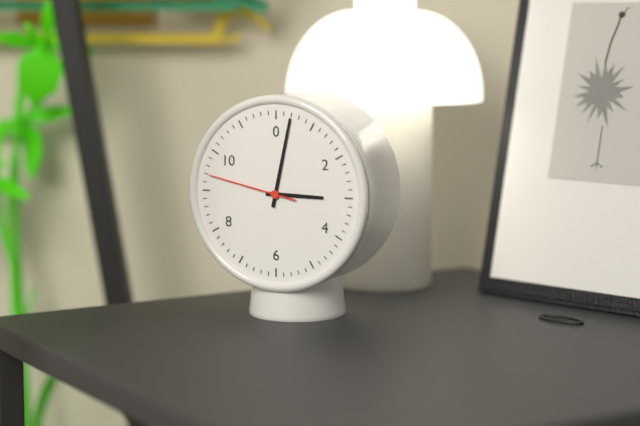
**3:02:47**
